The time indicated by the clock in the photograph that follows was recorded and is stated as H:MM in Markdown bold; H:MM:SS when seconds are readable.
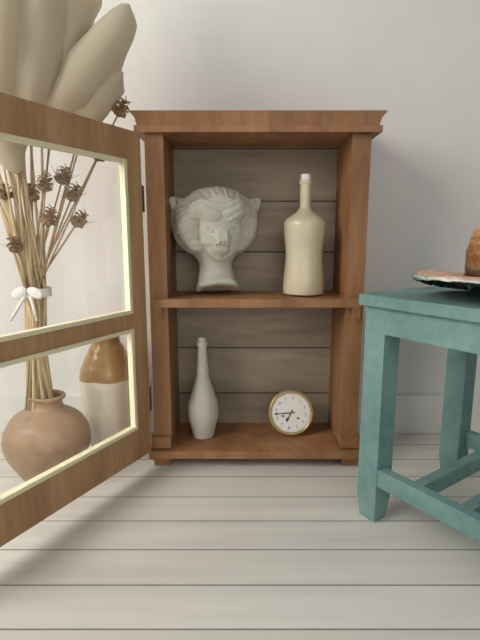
**6:43**
